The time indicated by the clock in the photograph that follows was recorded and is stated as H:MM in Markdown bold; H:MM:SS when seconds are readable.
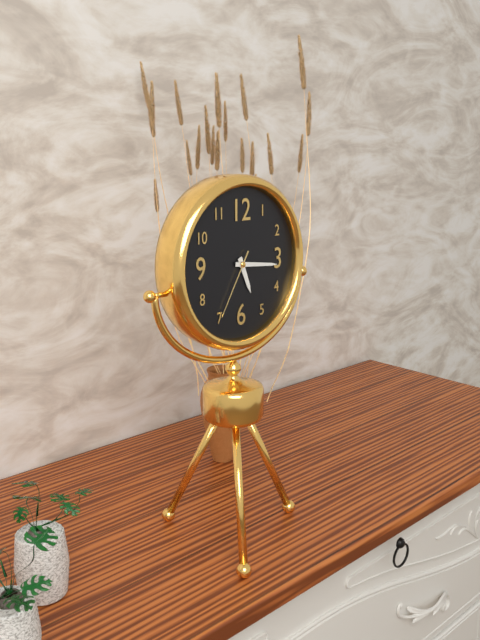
**5:16:35**
